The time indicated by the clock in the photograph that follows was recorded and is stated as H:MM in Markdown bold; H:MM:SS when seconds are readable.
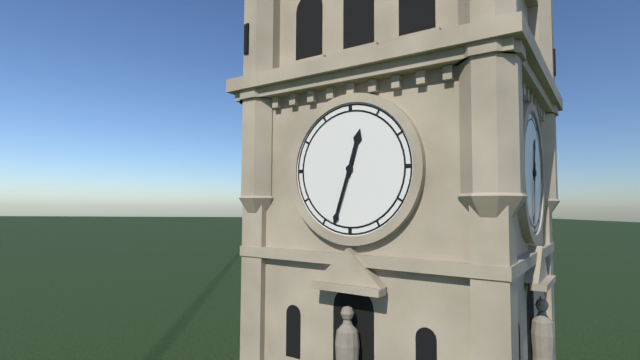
**12:33**
